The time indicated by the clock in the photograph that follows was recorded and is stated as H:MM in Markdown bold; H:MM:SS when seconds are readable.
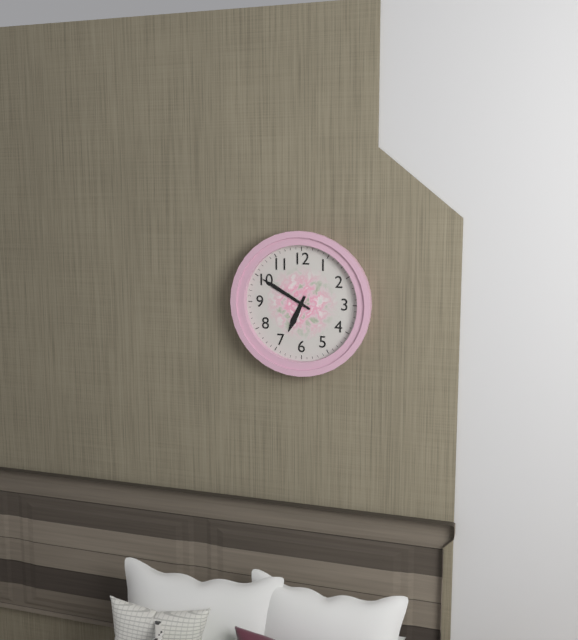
**6:50**
